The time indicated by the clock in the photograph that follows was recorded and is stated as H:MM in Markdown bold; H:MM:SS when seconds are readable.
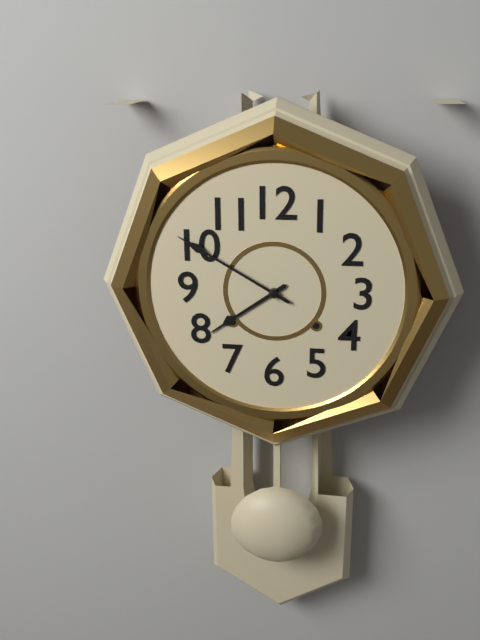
**7:50**
